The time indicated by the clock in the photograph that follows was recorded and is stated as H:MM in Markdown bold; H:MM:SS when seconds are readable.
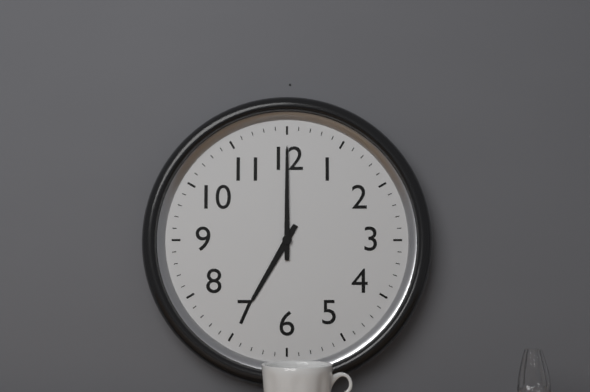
**7:00**
